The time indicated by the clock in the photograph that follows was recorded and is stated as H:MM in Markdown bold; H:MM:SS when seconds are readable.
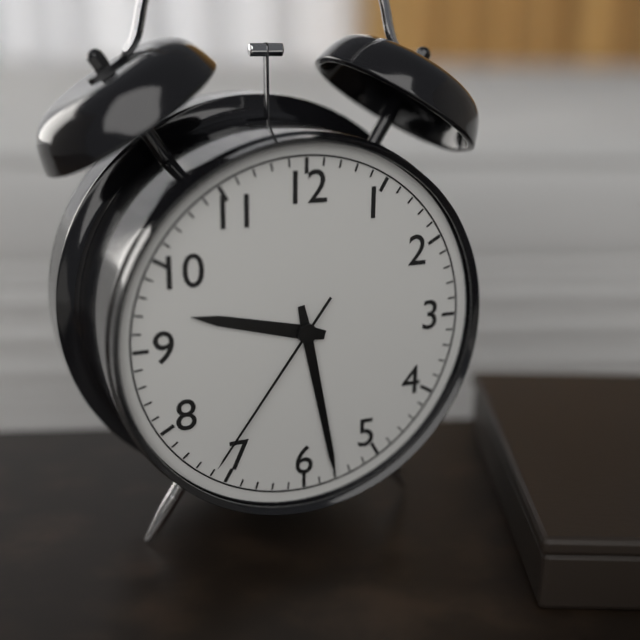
**9:28:36**
